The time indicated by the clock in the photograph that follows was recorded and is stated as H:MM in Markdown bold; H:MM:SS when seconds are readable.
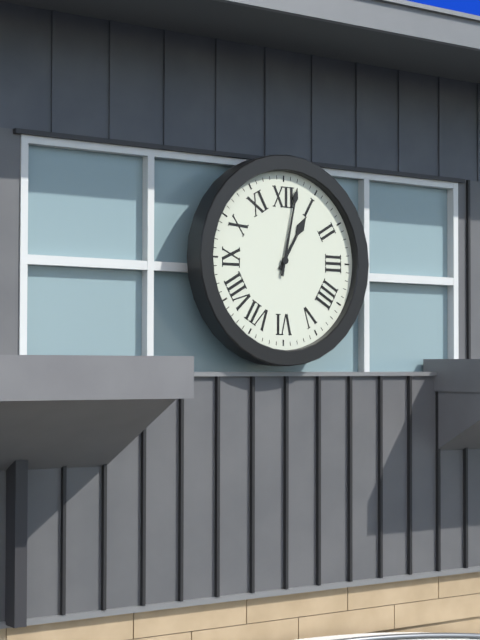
**1:02**
